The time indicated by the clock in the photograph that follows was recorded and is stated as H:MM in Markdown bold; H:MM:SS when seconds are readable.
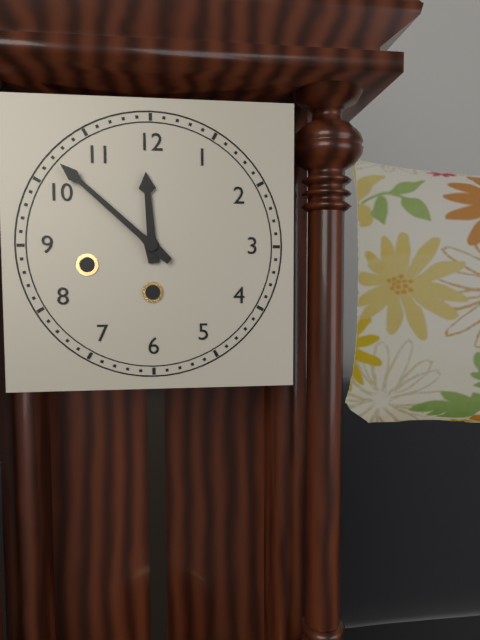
**11:52**
